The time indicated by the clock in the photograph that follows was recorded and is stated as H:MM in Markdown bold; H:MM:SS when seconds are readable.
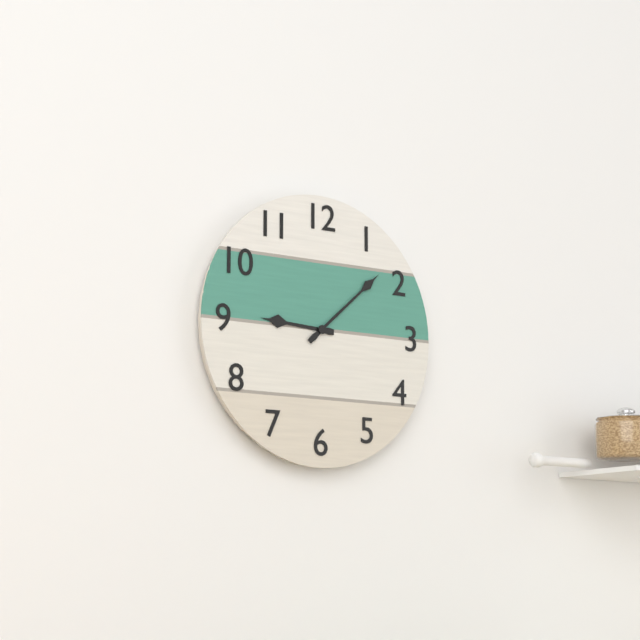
**9:08**
